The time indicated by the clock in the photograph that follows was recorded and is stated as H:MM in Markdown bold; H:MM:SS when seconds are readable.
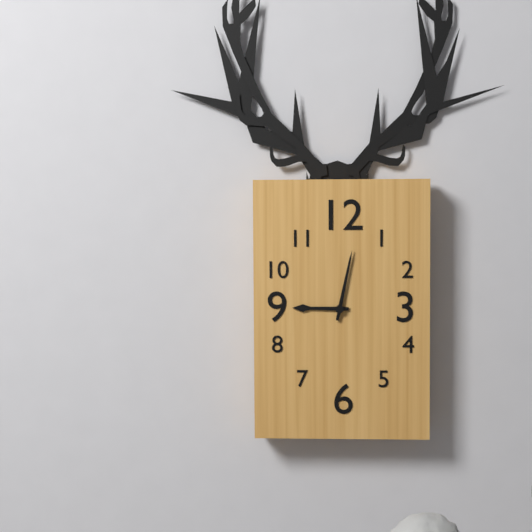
**9:02**
